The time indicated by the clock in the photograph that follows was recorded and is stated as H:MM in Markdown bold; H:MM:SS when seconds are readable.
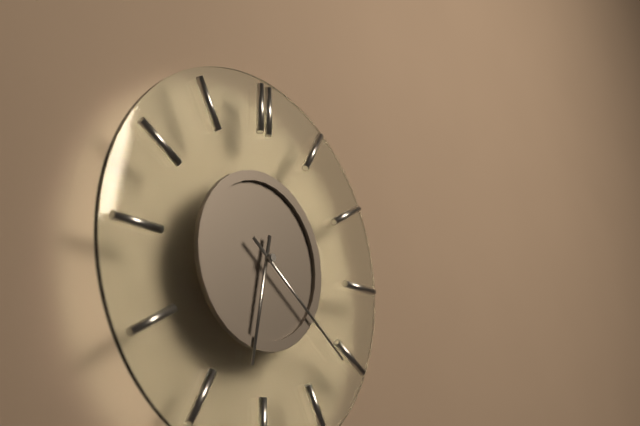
**6:21**
